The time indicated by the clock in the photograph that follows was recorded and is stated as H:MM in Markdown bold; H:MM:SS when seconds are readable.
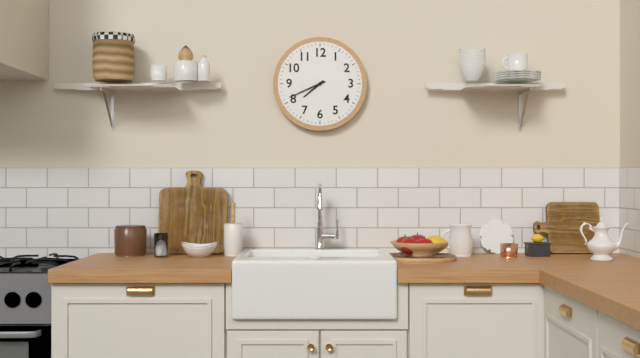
**7:41**
